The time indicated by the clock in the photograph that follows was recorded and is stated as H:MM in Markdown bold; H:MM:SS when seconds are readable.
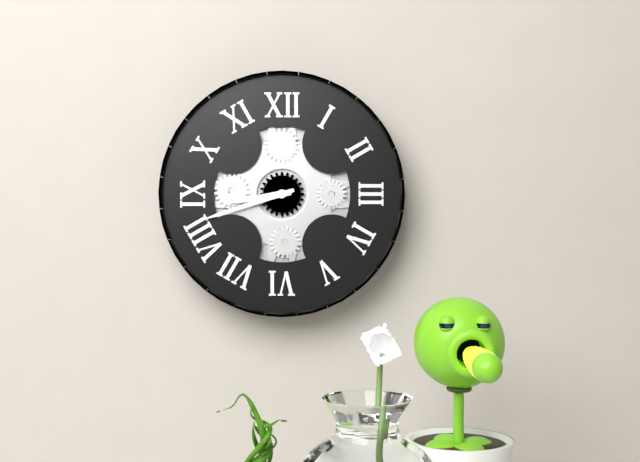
**8:42**
